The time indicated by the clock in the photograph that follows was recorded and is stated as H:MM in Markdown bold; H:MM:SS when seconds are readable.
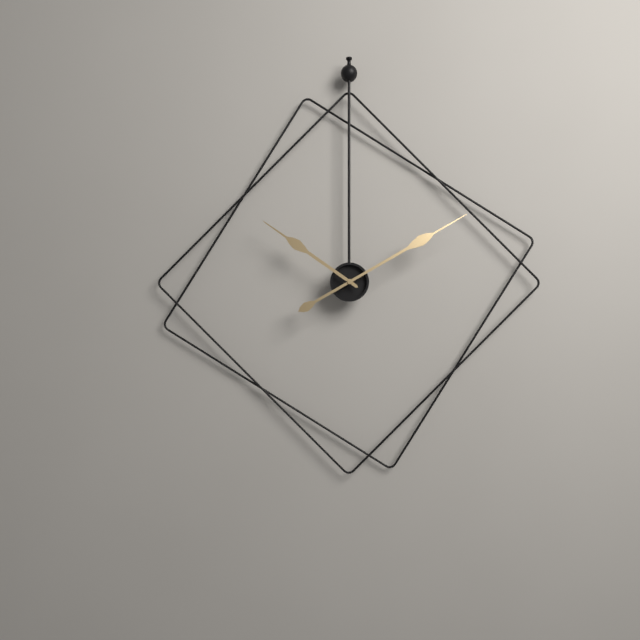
**10:10**
